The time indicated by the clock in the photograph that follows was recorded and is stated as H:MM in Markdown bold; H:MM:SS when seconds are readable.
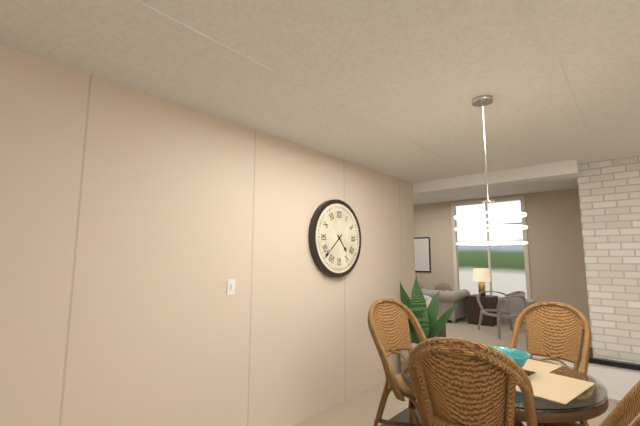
**4:38**
